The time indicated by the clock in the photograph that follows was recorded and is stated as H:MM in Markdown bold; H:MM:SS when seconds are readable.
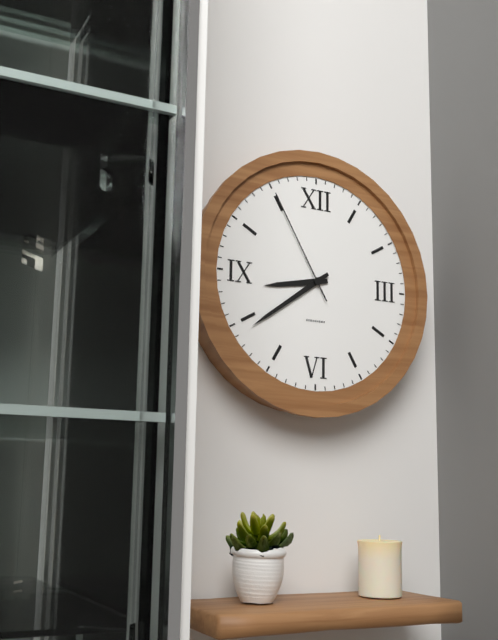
**8:39:55**
